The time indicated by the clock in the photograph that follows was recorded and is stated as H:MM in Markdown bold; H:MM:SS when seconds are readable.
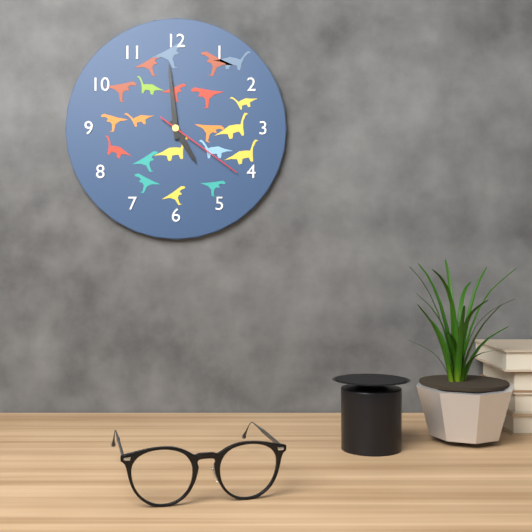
**4:59:21**
